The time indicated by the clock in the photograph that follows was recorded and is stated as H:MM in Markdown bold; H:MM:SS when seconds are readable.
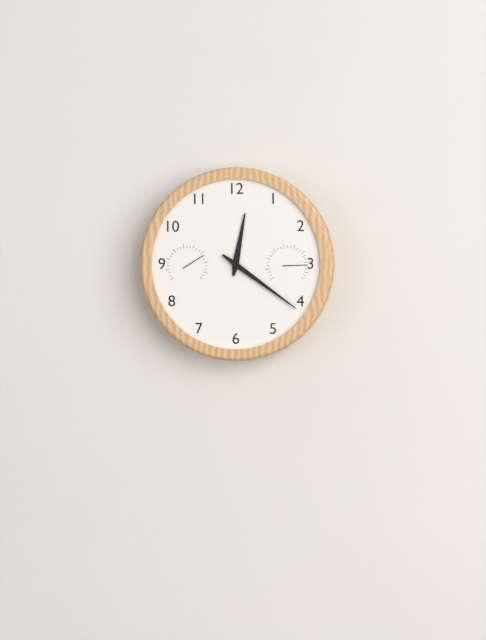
**12:21**
